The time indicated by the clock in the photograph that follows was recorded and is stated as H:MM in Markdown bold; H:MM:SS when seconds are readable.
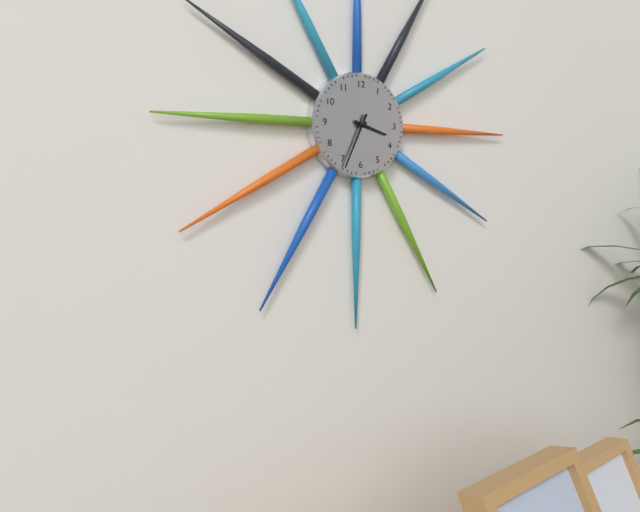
**3:34**
